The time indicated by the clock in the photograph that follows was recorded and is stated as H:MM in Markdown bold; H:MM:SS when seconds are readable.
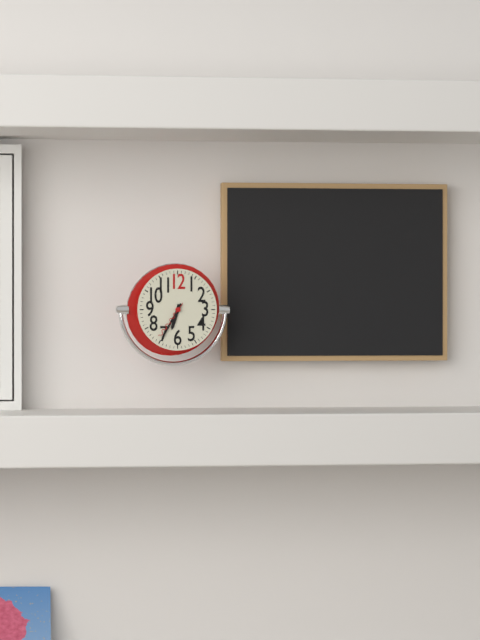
**6:35**
